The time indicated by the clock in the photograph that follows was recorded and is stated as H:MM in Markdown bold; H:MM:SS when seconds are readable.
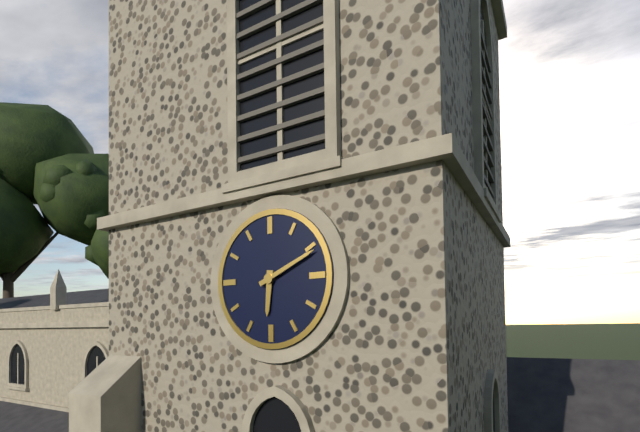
**6:11**
